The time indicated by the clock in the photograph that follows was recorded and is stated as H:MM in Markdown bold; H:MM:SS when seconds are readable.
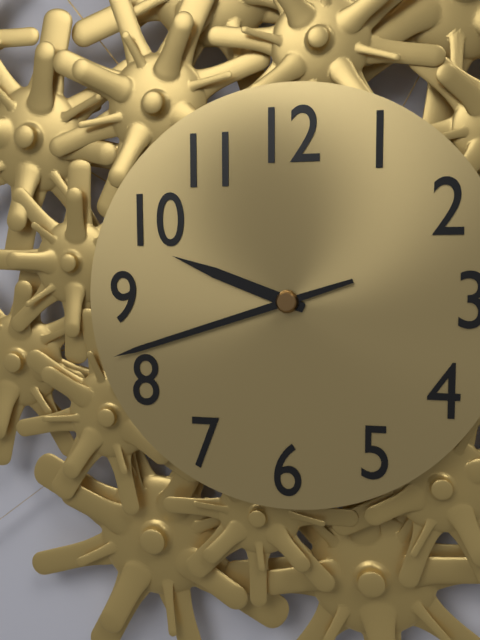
**9:42**
